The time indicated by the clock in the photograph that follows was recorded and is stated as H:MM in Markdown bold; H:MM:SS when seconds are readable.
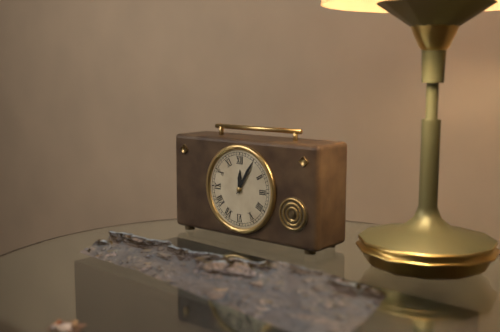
**12:05**
